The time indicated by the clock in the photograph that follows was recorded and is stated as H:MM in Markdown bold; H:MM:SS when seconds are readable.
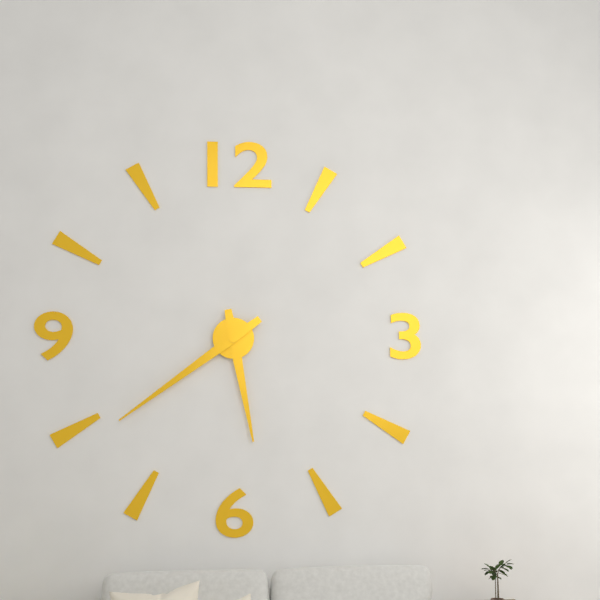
**5:39**
